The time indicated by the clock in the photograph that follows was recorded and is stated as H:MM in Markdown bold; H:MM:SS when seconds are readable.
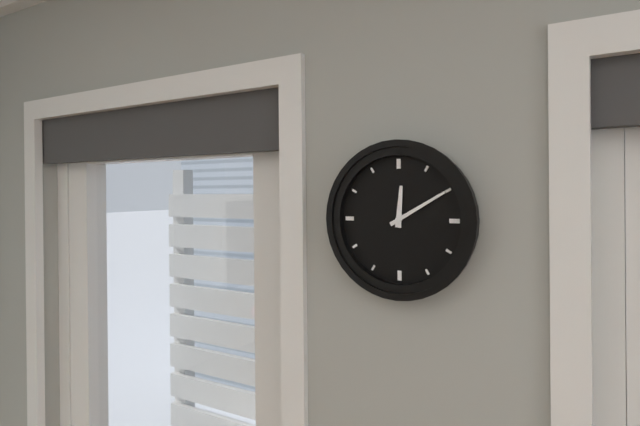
**12:10**
